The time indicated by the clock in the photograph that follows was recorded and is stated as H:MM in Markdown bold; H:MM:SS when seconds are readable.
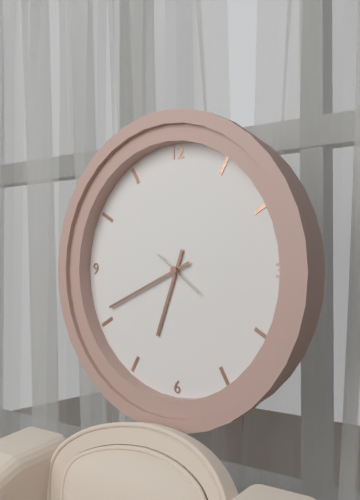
**6:41**
